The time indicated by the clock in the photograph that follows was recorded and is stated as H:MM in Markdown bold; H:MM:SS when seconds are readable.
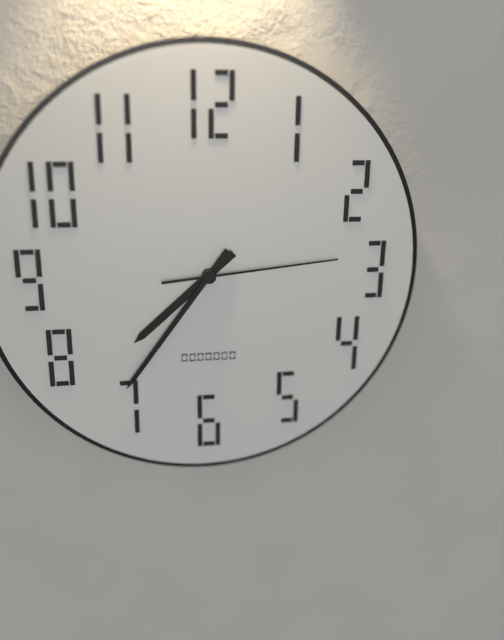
**7:36:14**
